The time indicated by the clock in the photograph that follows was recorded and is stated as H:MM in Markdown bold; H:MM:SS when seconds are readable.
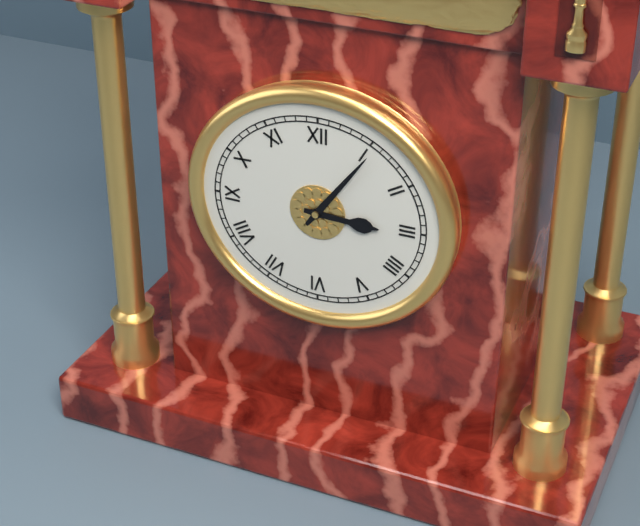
**3:06**
